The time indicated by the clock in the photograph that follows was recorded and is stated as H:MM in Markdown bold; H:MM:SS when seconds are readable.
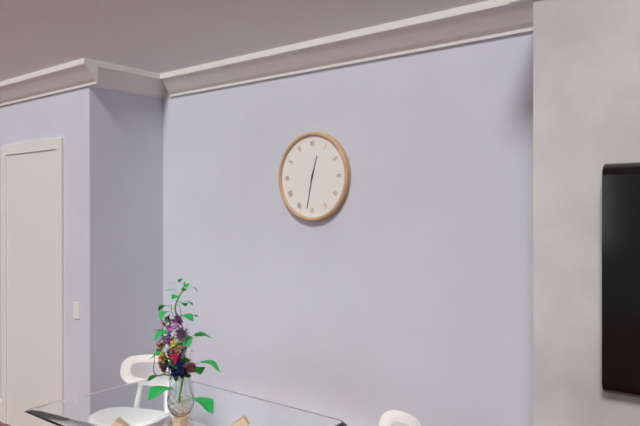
**12:32**
